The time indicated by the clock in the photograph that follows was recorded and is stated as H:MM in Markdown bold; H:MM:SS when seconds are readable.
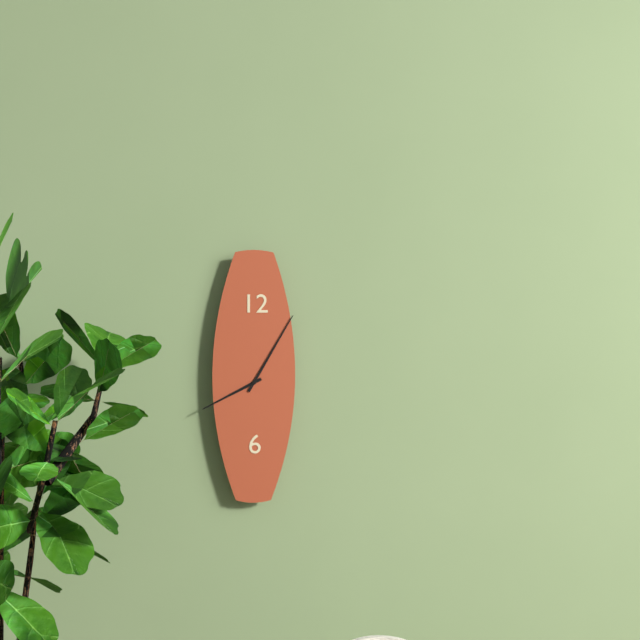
**8:05**
